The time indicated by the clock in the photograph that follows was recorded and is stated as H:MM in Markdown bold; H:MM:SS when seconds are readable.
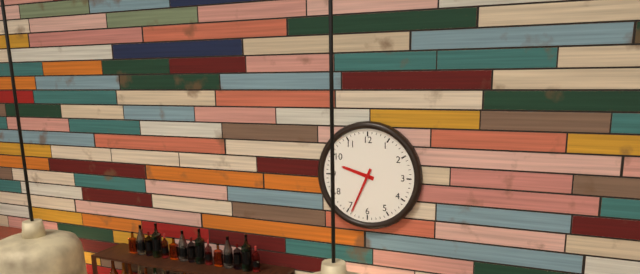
**9:34**
